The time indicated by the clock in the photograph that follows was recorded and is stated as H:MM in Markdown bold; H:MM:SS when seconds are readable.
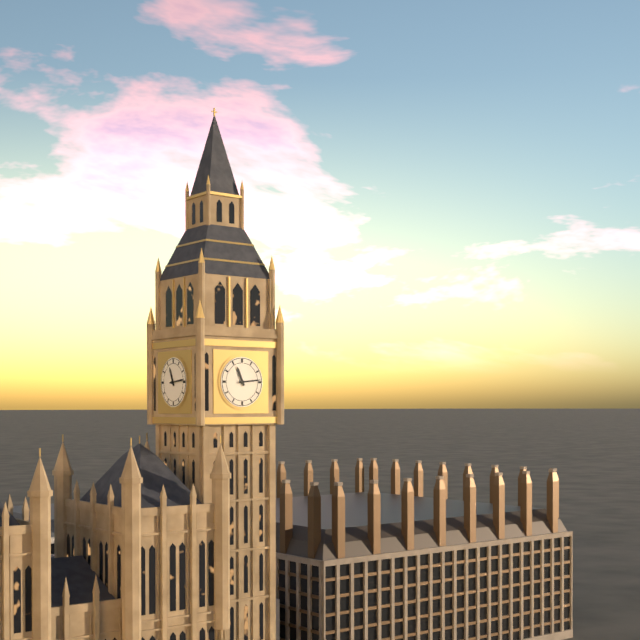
**11:14**
